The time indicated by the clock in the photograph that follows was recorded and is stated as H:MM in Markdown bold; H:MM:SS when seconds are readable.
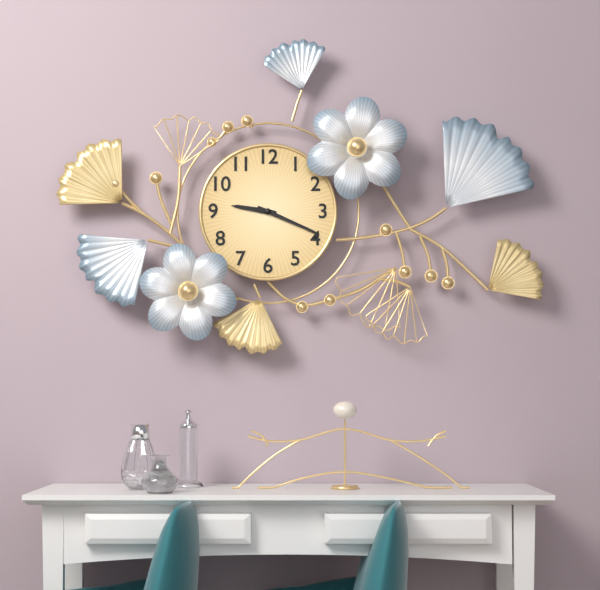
**9:19**
